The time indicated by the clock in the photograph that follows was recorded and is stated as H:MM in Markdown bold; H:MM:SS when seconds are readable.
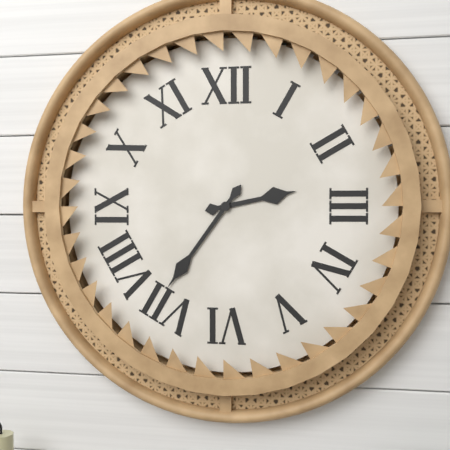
**2:36**
